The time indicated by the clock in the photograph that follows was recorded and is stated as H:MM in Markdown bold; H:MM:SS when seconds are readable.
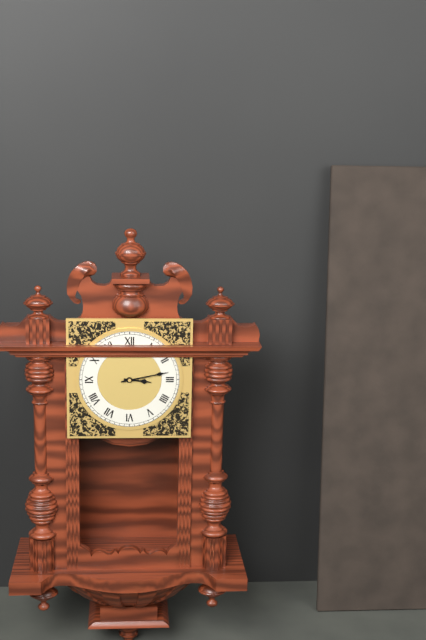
**3:13**
